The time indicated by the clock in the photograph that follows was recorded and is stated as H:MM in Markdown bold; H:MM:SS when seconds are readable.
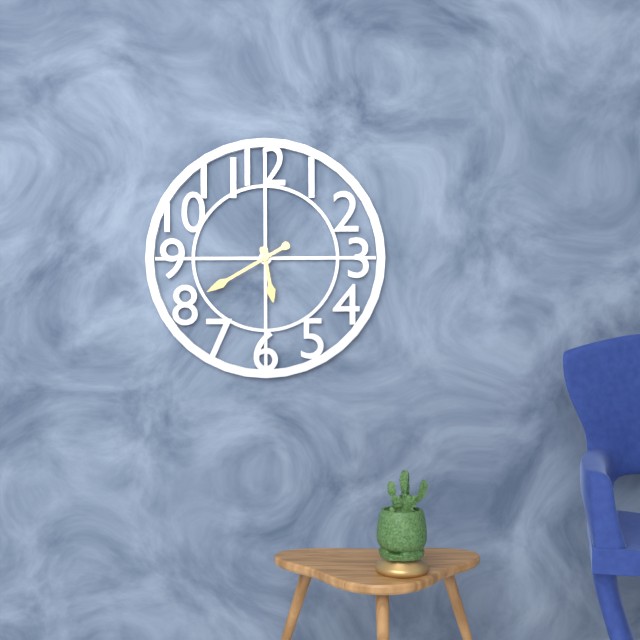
**5:40**
